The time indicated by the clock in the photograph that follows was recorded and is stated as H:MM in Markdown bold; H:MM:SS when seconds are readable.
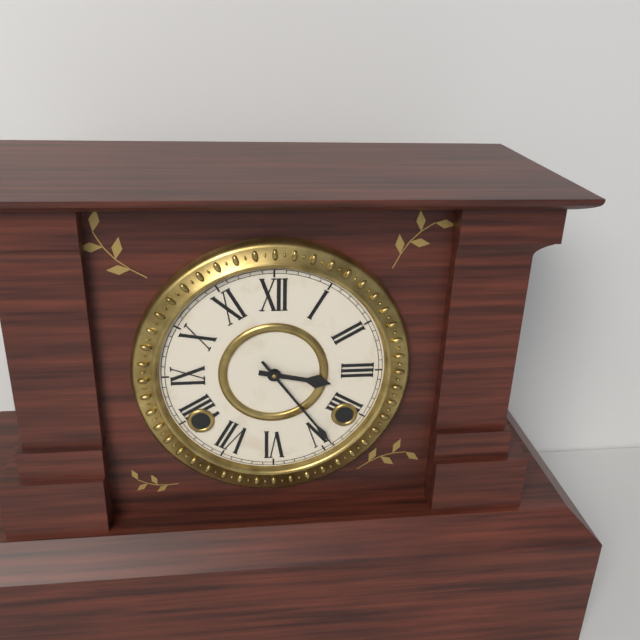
**3:24**
